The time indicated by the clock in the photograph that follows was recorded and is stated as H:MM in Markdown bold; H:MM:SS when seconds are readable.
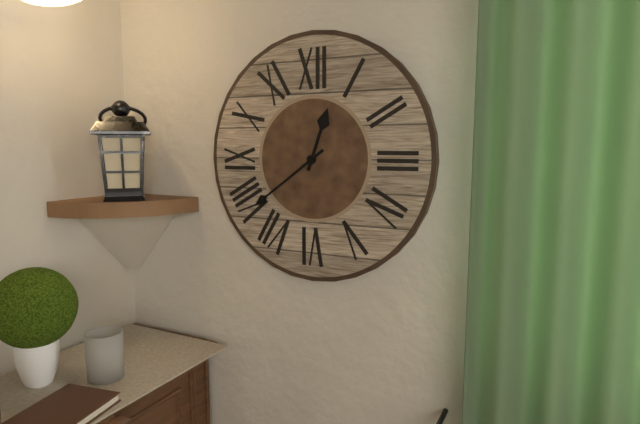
**12:39**
